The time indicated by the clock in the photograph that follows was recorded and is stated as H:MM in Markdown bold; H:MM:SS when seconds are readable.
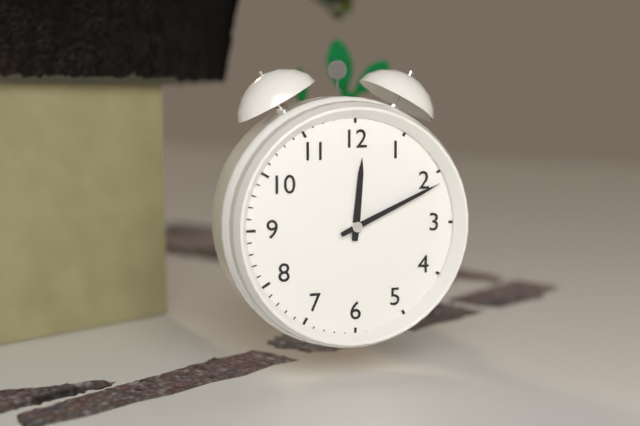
**12:11**
